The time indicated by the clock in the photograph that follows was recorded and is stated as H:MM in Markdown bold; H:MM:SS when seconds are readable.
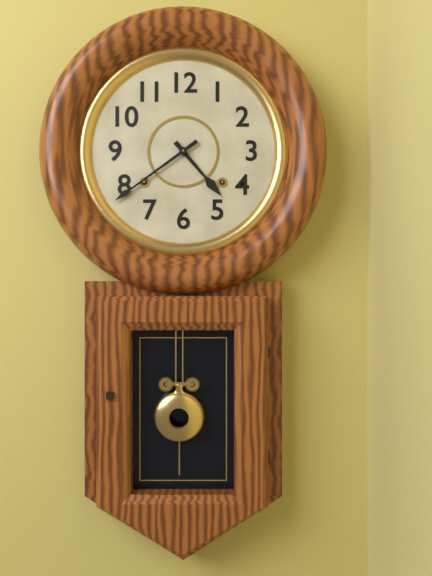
**4:39**
